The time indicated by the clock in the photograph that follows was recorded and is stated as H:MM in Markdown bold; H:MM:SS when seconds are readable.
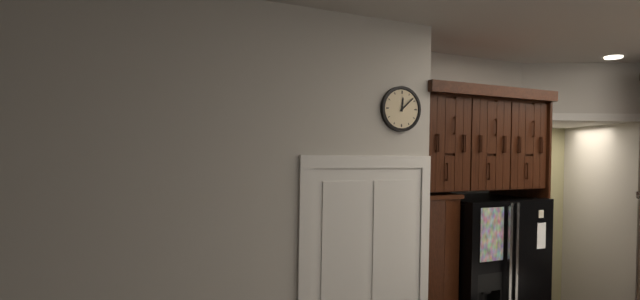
**12:08**
